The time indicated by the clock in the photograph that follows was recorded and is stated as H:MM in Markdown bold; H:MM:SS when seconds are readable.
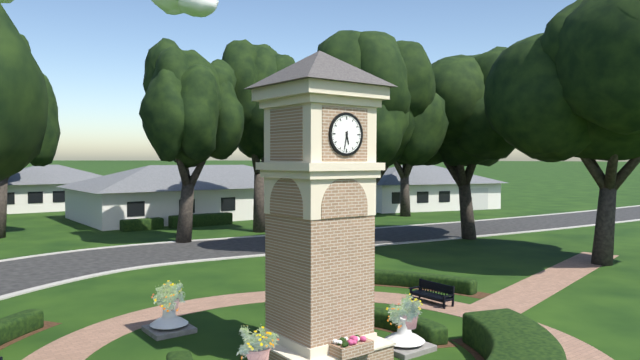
**5:32**
